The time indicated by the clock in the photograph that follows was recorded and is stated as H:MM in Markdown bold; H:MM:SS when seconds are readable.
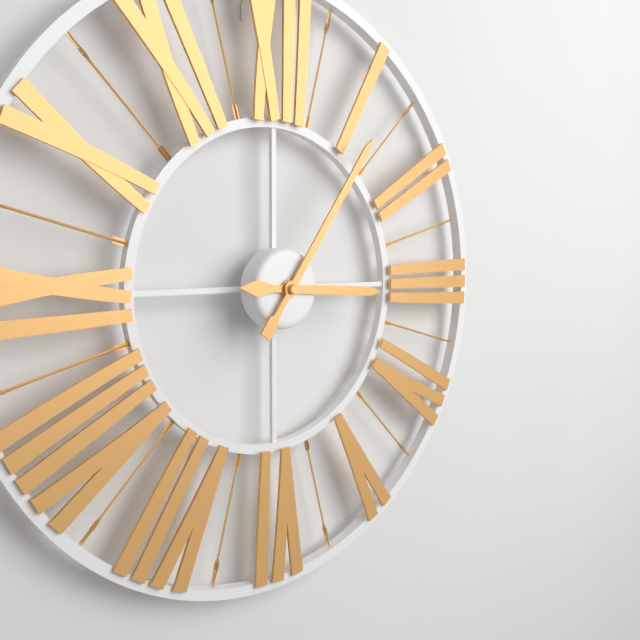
**3:06**
